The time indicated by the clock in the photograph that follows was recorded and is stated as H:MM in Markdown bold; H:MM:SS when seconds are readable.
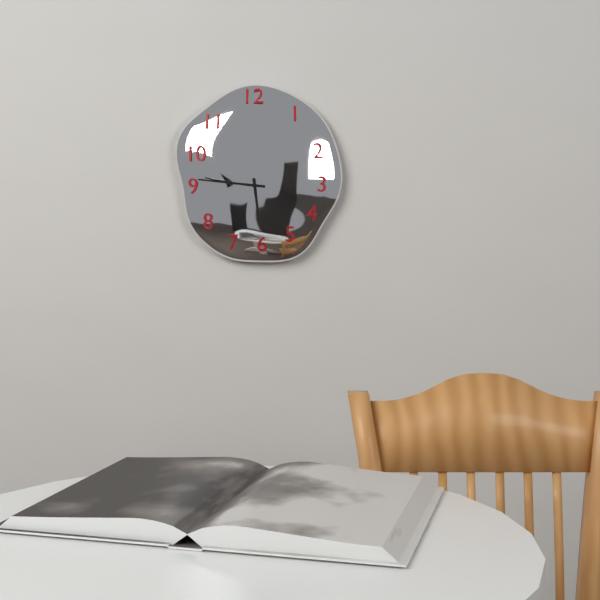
**5:46**
